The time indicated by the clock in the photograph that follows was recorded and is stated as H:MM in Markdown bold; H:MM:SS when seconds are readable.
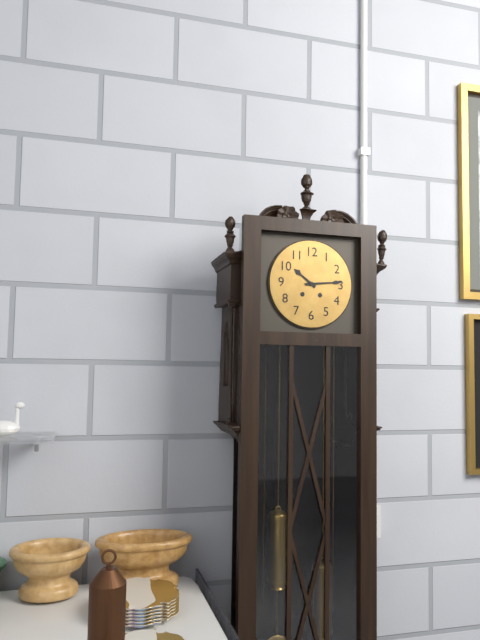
**10:14**
